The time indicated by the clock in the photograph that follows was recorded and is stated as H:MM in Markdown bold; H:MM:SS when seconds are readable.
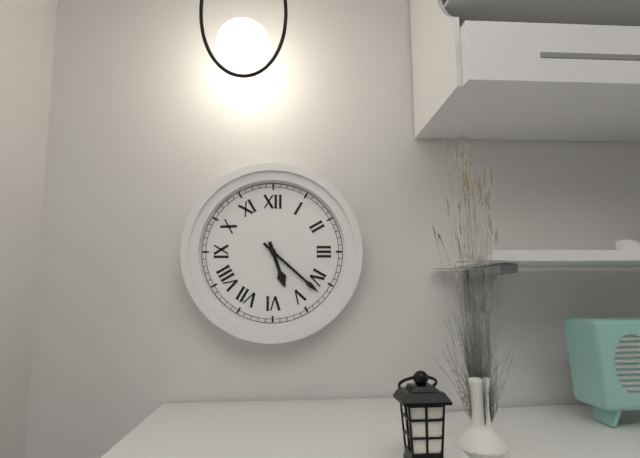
**5:22**
